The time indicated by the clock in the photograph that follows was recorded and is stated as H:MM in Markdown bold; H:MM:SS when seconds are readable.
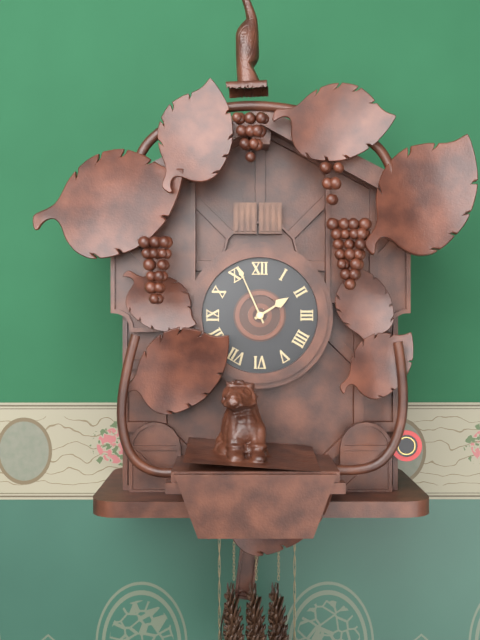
**1:56**
